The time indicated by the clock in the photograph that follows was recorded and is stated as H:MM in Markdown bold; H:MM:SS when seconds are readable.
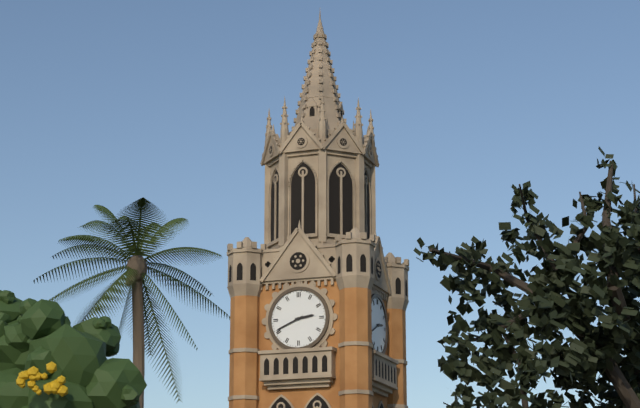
**2:41**
